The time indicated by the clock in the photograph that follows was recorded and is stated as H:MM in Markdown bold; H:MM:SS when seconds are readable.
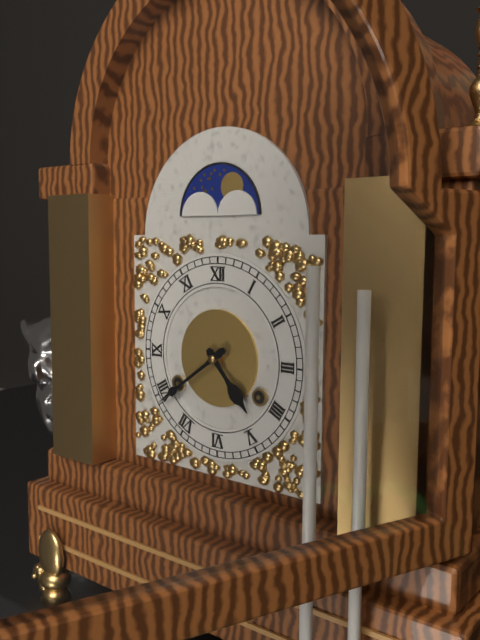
**4:39**
